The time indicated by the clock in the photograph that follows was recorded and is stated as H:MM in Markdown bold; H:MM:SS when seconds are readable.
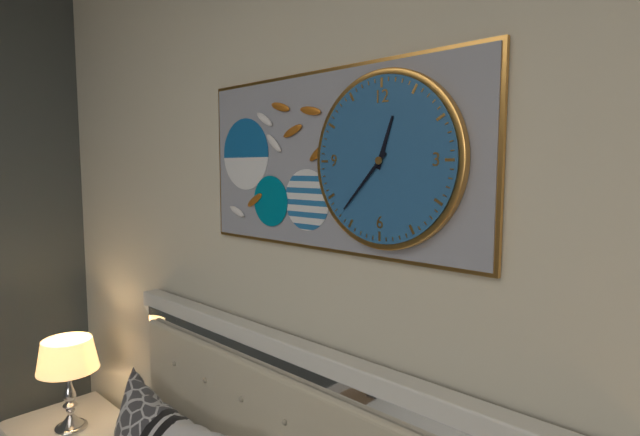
**12:37**
